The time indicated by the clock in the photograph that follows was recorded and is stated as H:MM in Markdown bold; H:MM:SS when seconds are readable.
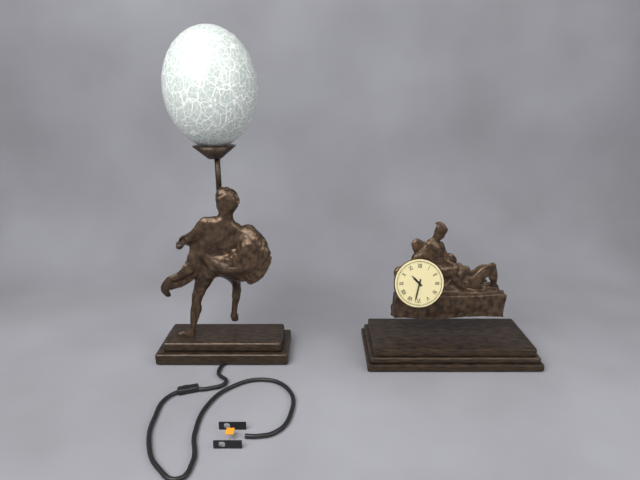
**10:32**
